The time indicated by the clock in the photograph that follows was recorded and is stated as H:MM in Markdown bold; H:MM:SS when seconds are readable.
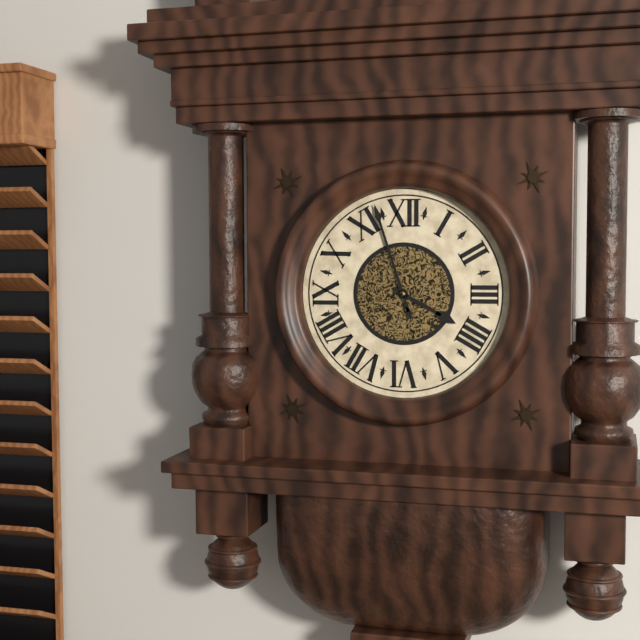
**3:57**
